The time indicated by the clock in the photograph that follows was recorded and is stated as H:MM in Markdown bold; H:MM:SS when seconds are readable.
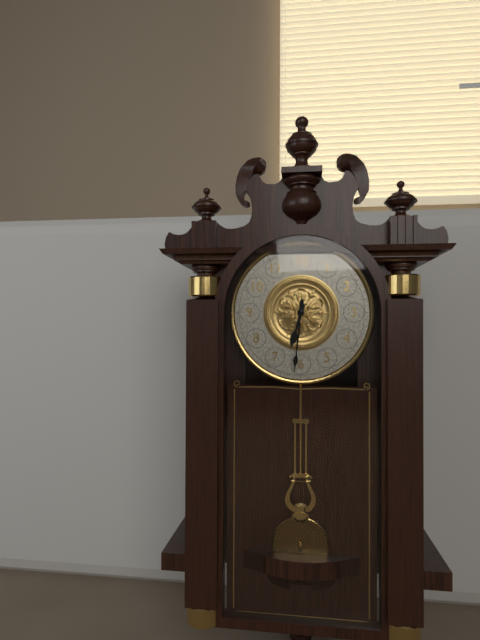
**6:31**
